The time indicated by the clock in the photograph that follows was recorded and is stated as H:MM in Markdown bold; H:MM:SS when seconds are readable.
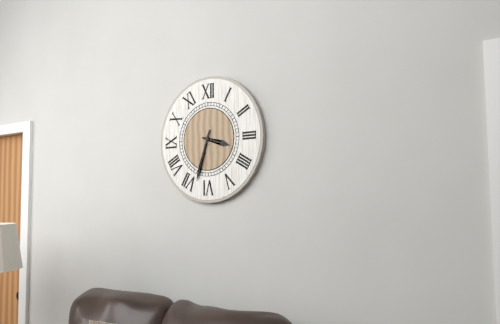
**3:33**
